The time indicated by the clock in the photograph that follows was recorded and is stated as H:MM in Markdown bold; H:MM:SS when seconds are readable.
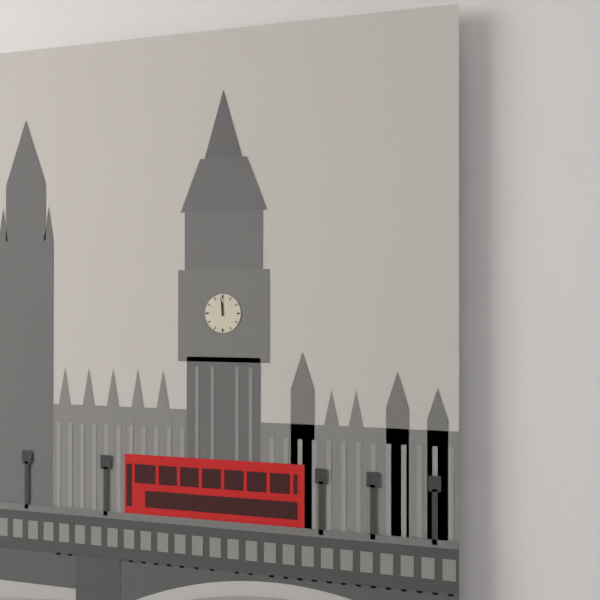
**11:59**
